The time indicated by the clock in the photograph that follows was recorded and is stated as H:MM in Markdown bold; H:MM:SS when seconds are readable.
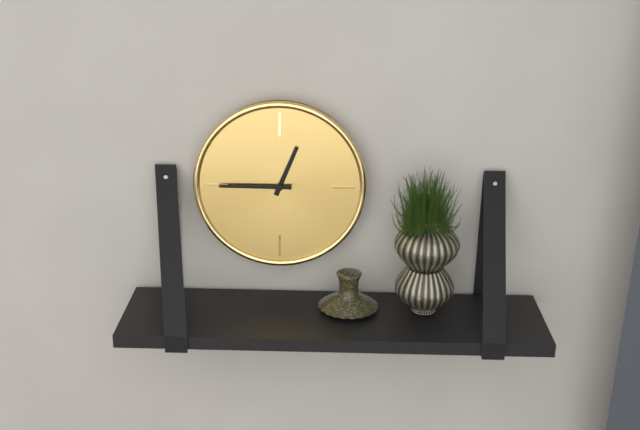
**12:45**
